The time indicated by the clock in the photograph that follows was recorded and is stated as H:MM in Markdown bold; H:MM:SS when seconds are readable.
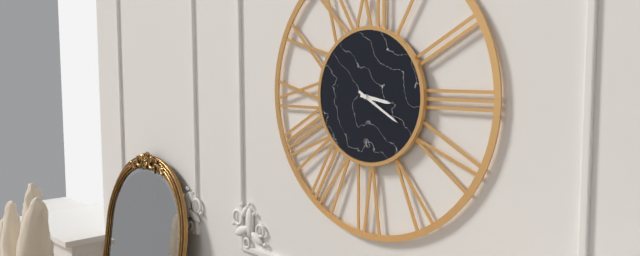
**3:20**
